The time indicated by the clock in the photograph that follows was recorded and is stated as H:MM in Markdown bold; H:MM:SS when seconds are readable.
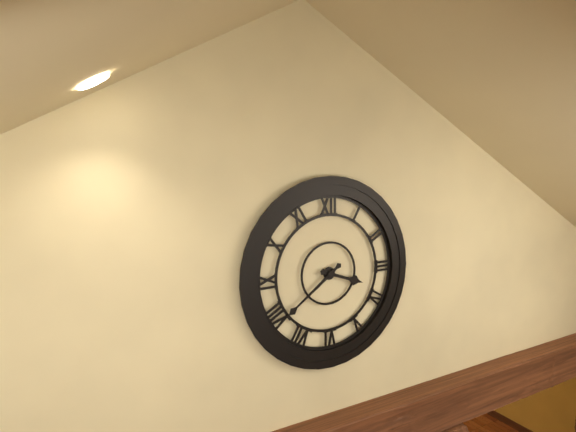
**3:39**
